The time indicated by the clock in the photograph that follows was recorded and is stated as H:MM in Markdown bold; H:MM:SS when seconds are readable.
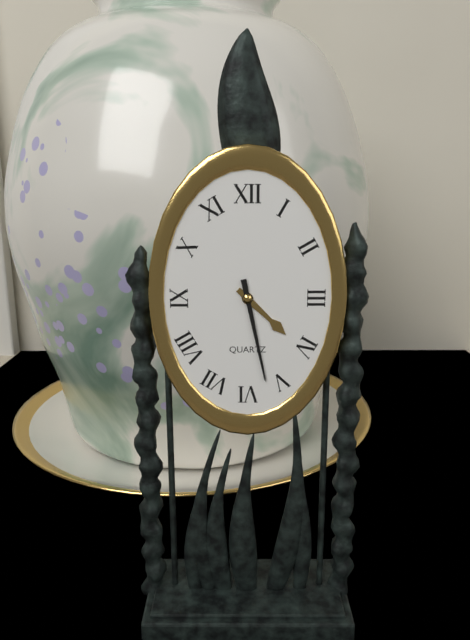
**4:28**
